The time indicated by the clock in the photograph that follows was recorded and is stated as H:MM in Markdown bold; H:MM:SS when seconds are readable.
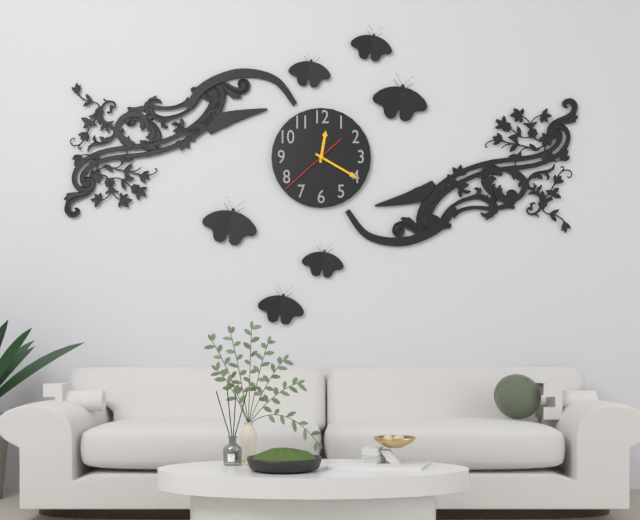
**12:20:38**
